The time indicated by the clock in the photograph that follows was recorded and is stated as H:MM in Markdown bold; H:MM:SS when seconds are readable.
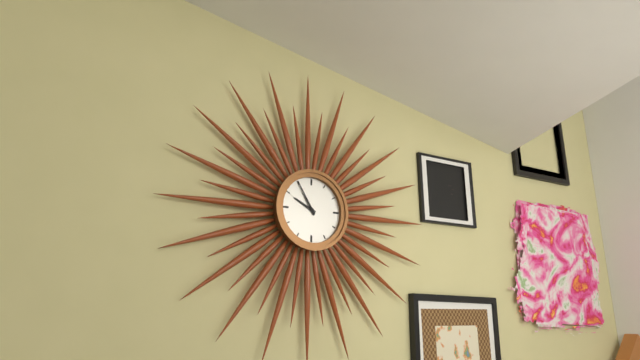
**9:55**
